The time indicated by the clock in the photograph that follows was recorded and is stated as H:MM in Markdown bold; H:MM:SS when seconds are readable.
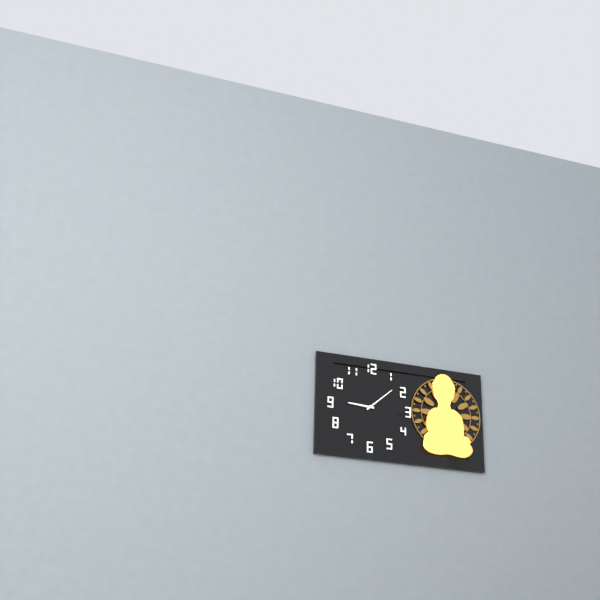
**9:08**
